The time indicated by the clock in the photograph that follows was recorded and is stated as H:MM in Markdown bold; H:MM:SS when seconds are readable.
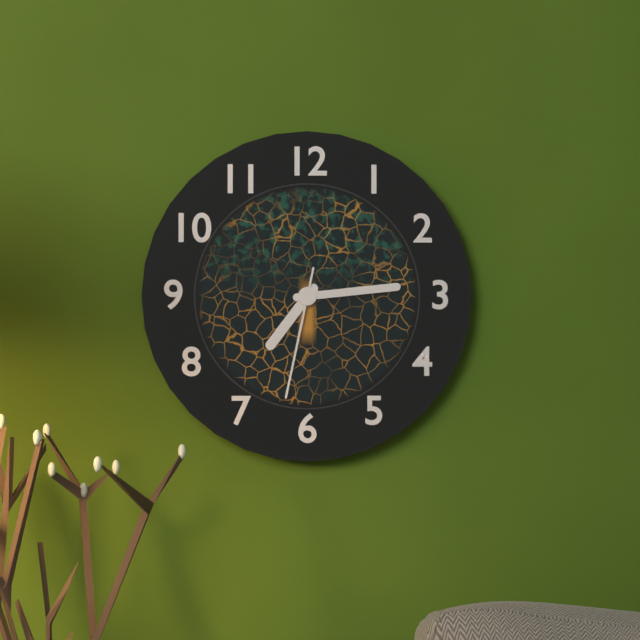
**7:14:32**
